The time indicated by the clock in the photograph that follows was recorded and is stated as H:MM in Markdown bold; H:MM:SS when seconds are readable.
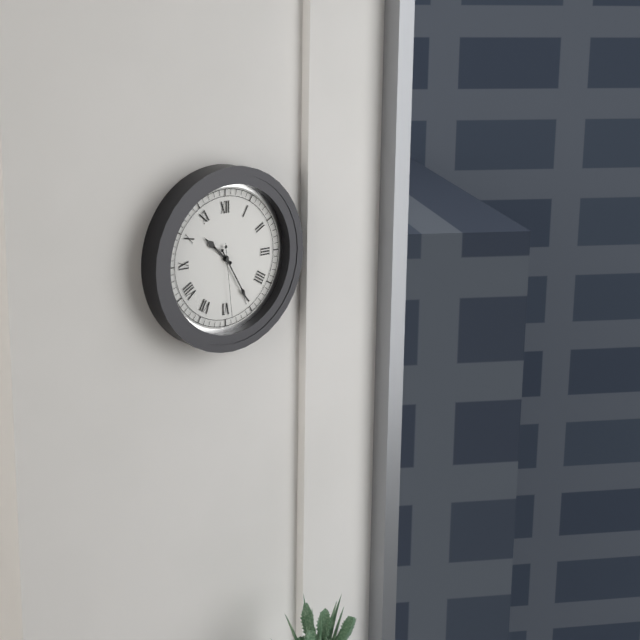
**10:25:29**
